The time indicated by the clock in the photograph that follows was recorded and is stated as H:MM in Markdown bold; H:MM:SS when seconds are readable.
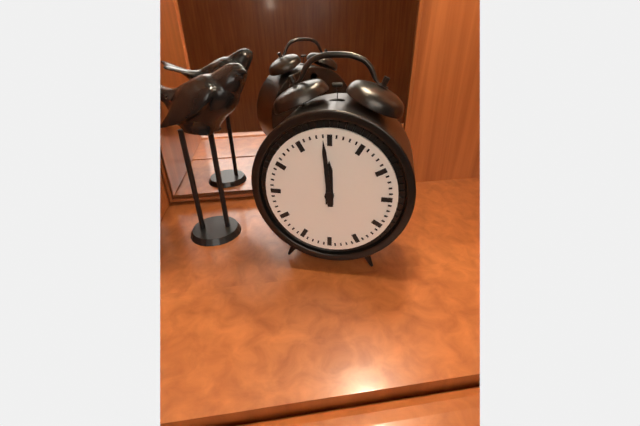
**11:59**
